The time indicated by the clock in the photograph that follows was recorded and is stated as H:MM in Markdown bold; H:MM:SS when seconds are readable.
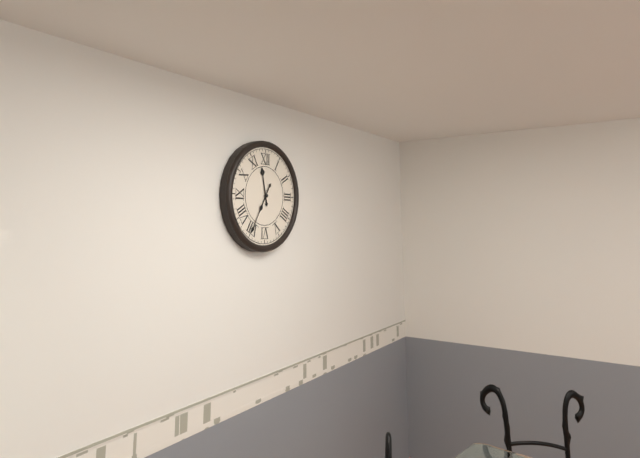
**11:35**
